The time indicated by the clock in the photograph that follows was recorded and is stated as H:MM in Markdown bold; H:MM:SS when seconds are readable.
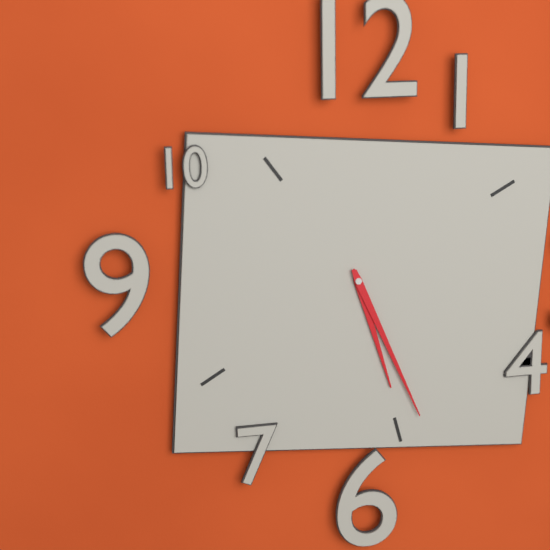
**5:26**
